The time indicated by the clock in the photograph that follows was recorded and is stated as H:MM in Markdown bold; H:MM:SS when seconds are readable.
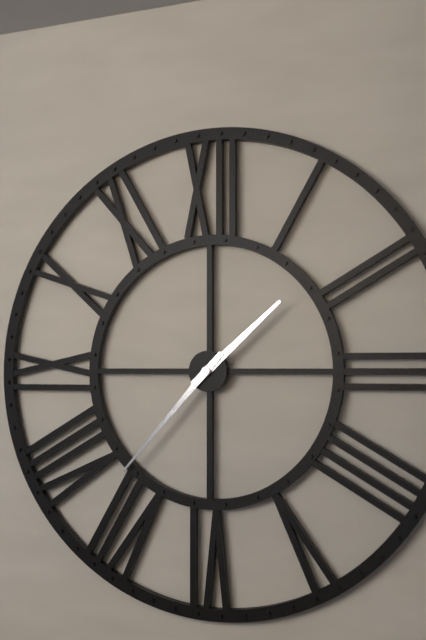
**1:37**
